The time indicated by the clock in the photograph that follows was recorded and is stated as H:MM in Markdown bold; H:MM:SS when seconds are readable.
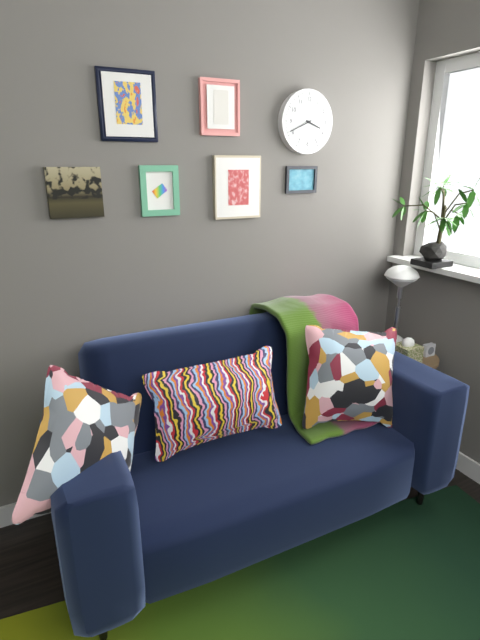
**3:41**
